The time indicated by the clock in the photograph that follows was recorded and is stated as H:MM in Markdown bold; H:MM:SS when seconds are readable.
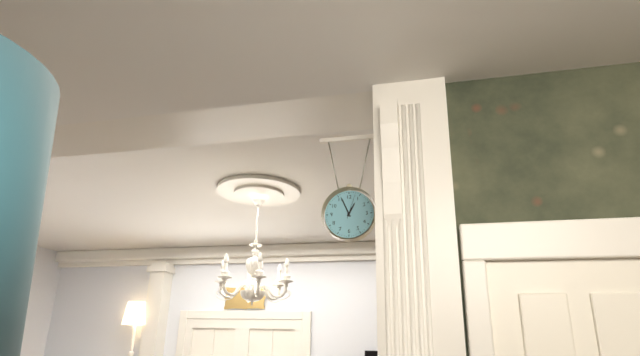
**12:56**
